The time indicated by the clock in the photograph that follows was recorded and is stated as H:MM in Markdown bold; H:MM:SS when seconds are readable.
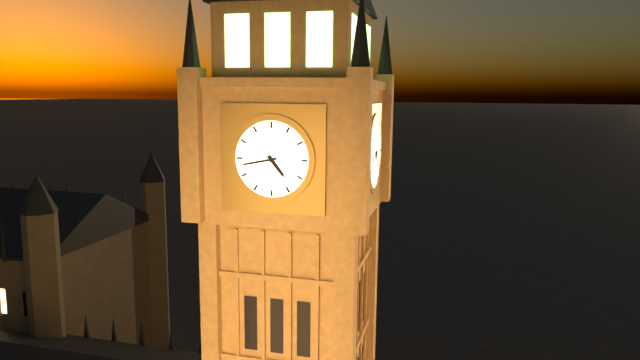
**4:43**
